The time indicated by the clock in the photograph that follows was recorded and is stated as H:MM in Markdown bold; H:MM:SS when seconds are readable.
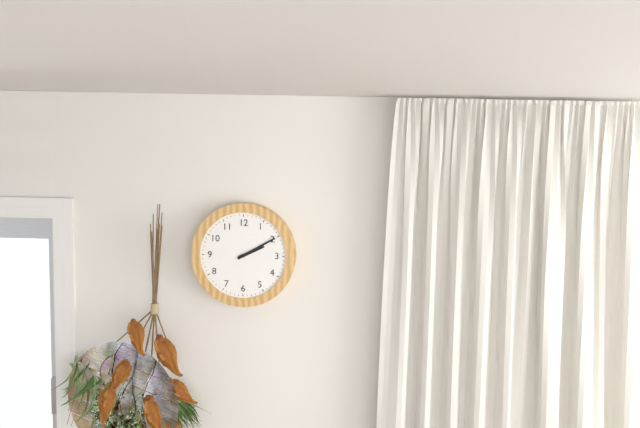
**2:10**
